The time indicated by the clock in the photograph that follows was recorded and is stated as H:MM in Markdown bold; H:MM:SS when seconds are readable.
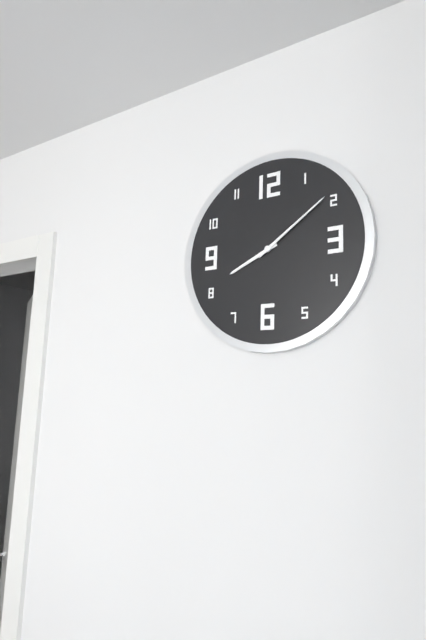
**8:09**
